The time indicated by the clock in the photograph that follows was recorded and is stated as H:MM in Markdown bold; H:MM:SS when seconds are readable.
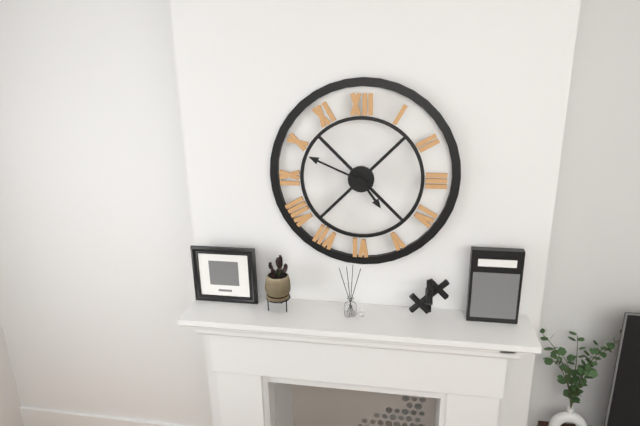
**4:49**
